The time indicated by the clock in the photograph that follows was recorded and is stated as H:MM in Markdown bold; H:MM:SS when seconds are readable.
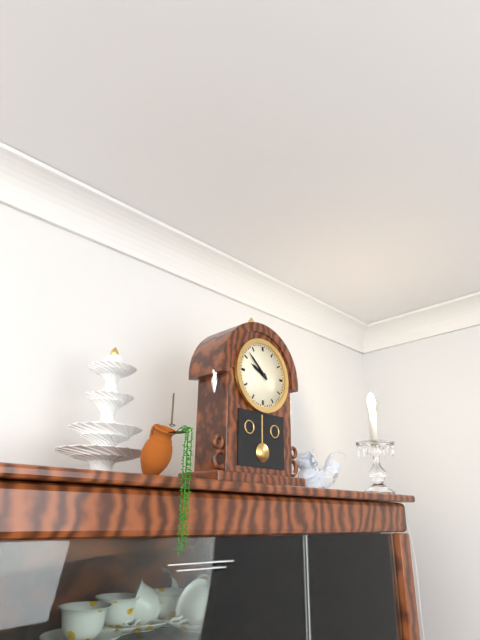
**9:52**
